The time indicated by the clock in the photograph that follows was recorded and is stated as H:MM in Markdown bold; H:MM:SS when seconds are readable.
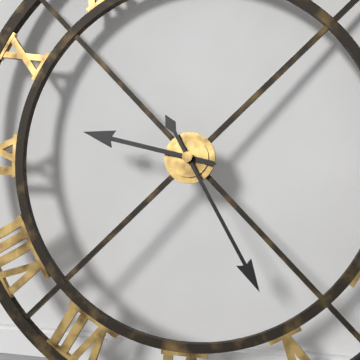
**9:25**
